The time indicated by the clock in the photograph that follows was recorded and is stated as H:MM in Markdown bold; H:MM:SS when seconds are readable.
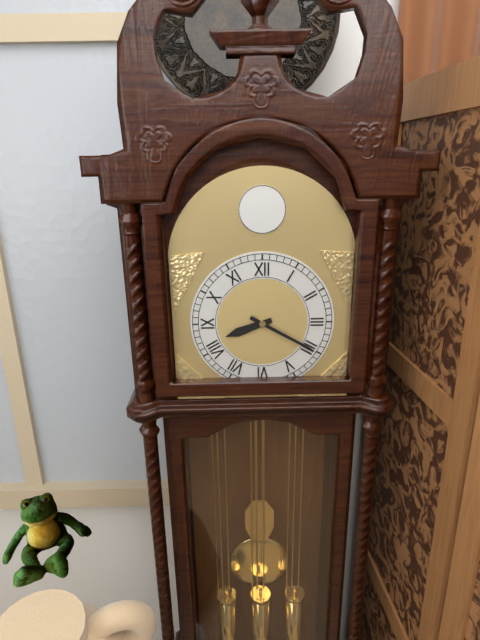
**8:20**
